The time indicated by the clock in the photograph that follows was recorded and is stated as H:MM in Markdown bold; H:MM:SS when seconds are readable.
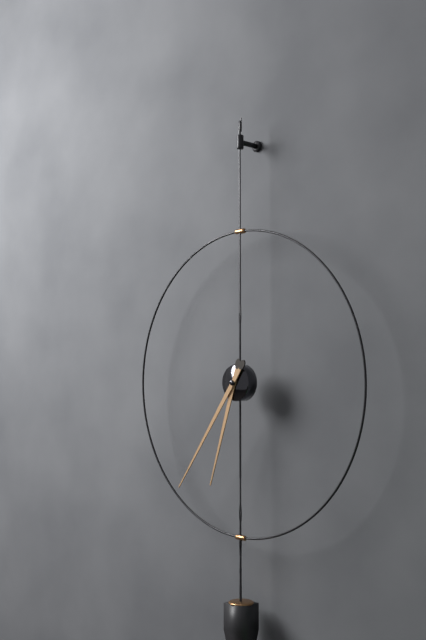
**6:36**
